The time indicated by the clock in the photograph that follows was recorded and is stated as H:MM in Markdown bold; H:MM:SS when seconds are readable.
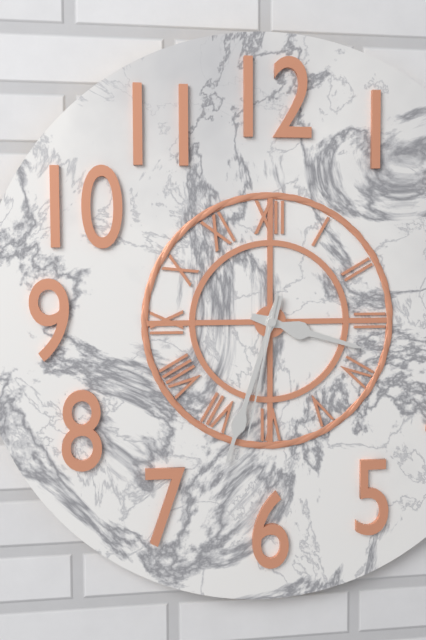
**3:33:32**
